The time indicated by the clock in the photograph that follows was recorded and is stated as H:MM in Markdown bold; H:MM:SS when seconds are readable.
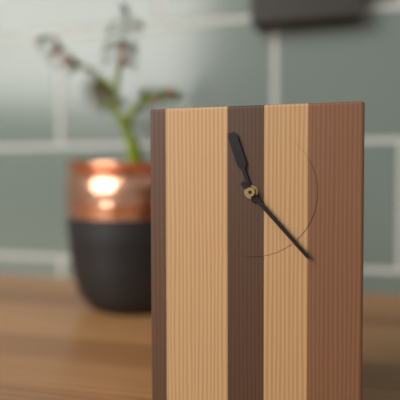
**11:23**
